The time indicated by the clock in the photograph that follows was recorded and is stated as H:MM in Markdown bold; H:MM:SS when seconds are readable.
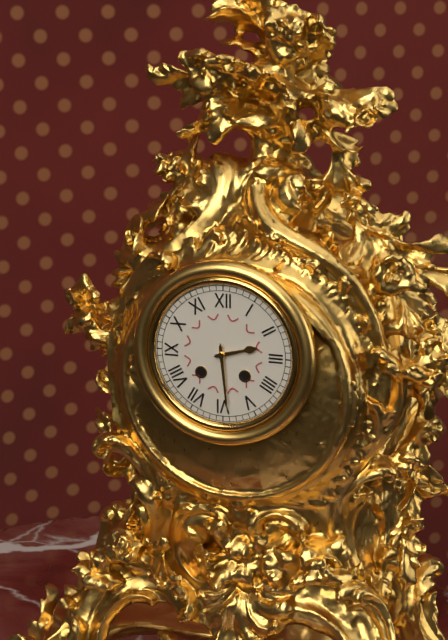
**2:29**
